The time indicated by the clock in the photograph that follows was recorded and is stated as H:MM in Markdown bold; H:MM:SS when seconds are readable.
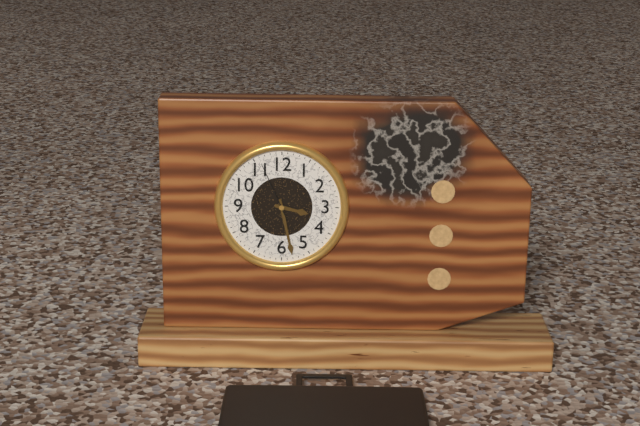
**3:28:56**
